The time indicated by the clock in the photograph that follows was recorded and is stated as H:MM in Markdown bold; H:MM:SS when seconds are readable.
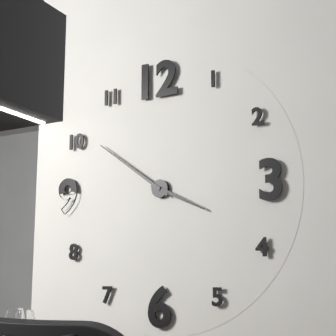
**3:51**
